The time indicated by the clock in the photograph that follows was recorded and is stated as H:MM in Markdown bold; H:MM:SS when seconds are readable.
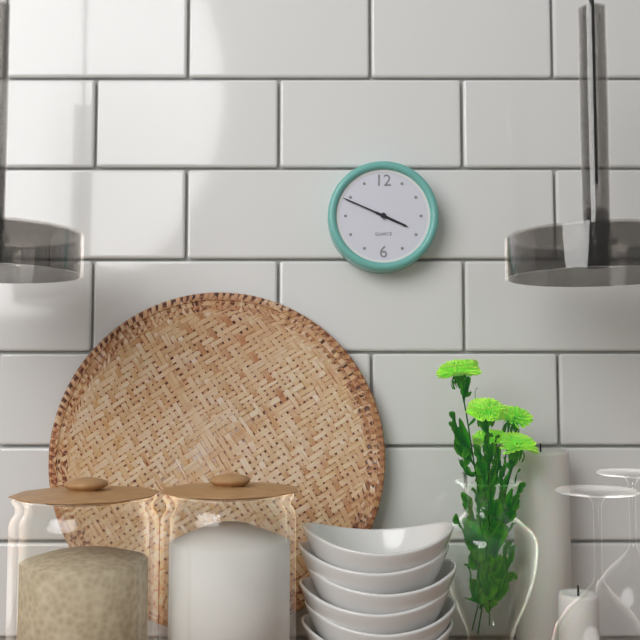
**3:49**
